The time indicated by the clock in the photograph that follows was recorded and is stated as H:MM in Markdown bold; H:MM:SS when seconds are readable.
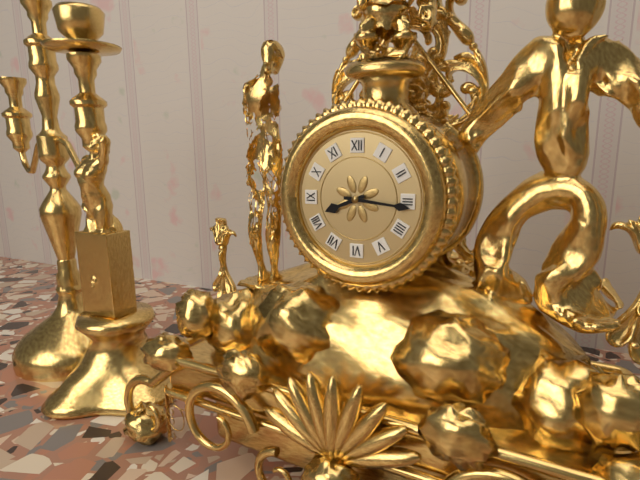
**8:16**
